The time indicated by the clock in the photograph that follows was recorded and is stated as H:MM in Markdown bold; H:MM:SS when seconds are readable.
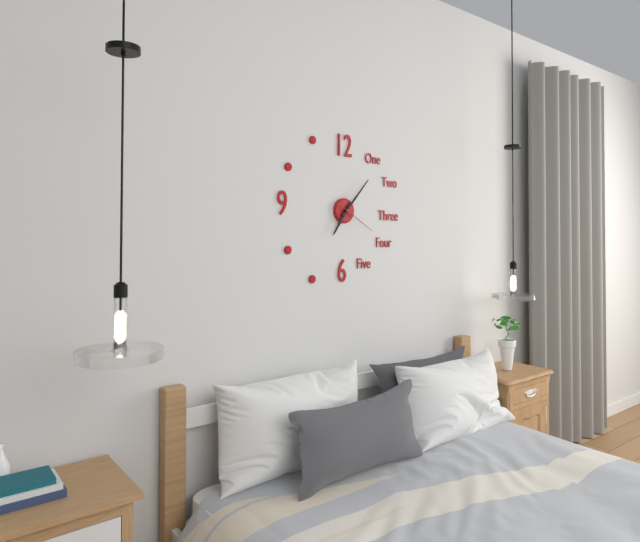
**7:07**
